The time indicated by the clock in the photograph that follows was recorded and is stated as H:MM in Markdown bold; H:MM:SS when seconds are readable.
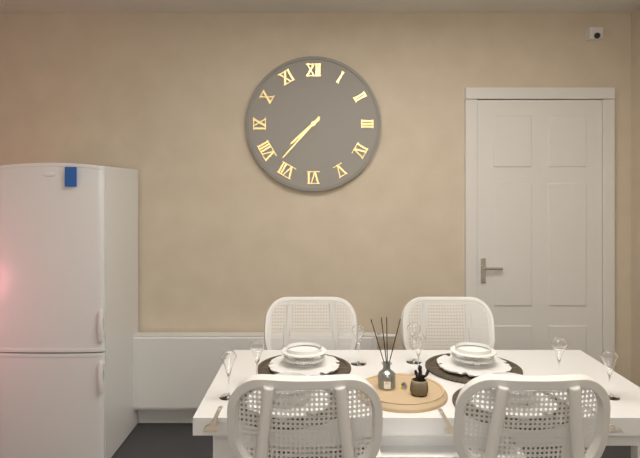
**7:37**
